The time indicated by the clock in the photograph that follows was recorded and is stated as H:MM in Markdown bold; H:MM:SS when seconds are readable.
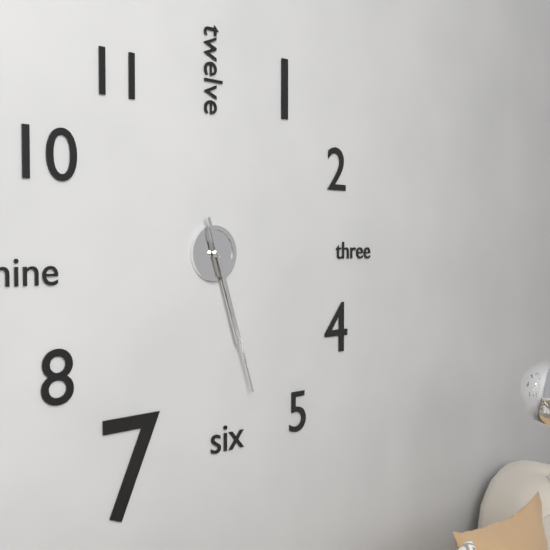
**5:27**
